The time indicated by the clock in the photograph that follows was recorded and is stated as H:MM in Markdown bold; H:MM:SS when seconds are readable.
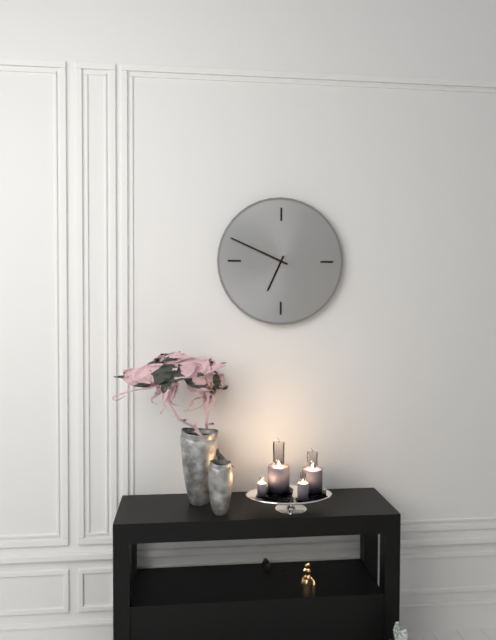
**6:49**
